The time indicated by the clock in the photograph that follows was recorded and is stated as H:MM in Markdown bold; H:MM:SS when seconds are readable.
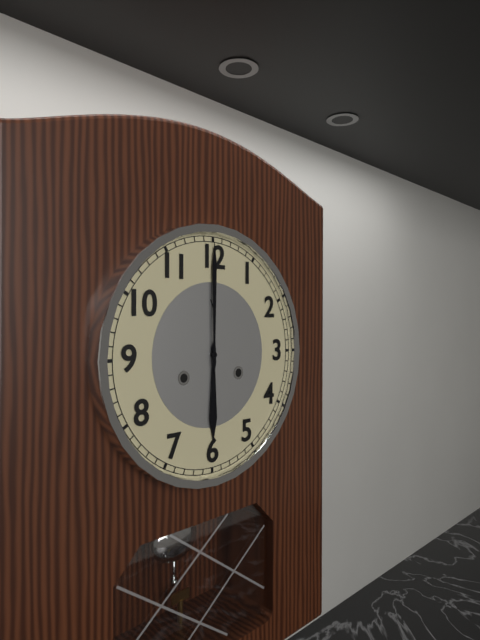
**6:00**
